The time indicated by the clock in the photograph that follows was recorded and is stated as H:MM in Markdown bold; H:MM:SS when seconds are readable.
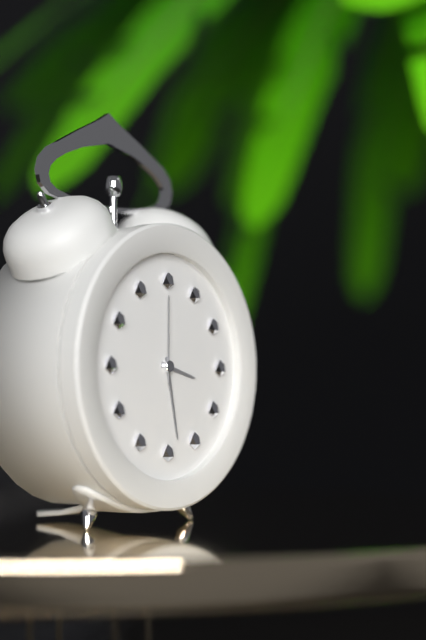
**3:28:00**
